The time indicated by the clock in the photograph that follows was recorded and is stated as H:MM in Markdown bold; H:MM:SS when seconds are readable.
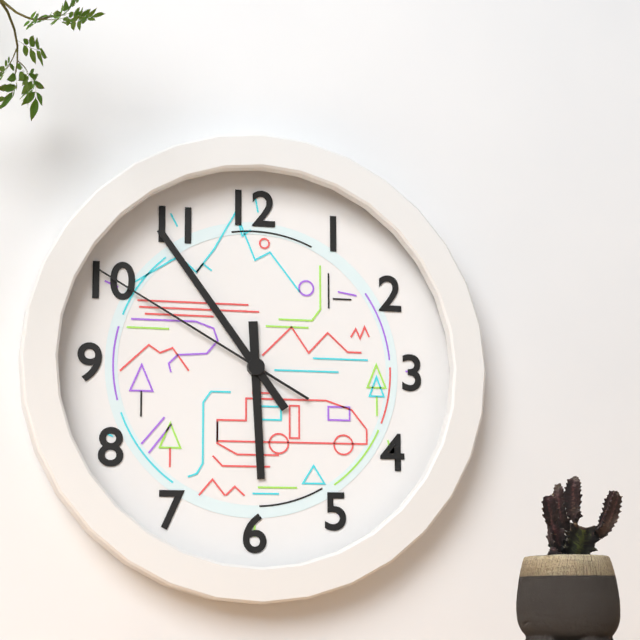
**5:54:50**
